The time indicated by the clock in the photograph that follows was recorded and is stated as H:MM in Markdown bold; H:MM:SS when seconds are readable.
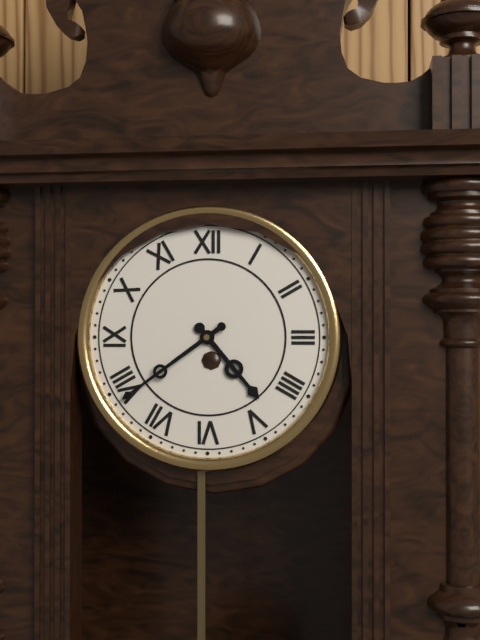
**4:39**
